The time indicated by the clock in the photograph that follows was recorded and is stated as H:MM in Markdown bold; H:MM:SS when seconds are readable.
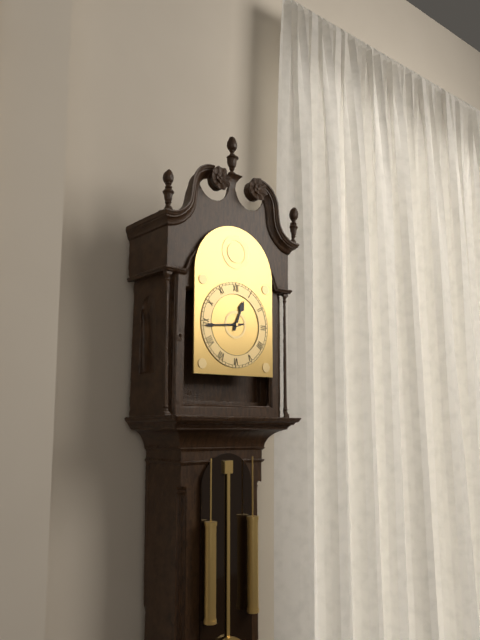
**12:44**
